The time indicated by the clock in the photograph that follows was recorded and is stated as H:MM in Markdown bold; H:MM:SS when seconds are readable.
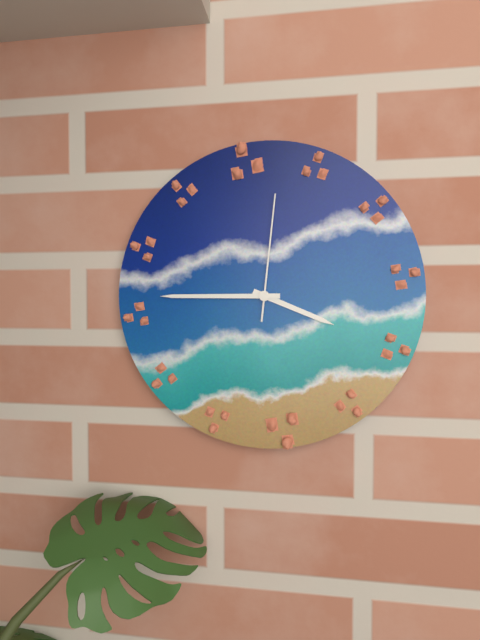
**3:45:01**
